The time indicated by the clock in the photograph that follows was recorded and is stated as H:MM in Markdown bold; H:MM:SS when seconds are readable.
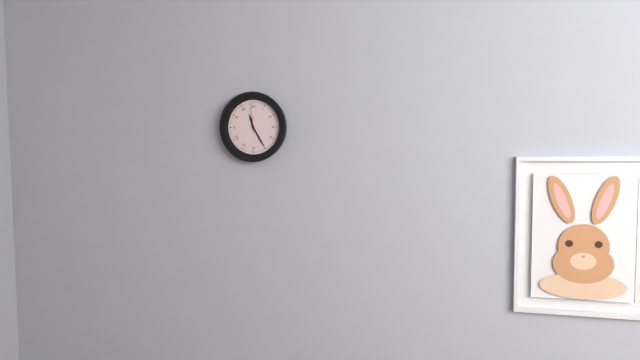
**11:25**
